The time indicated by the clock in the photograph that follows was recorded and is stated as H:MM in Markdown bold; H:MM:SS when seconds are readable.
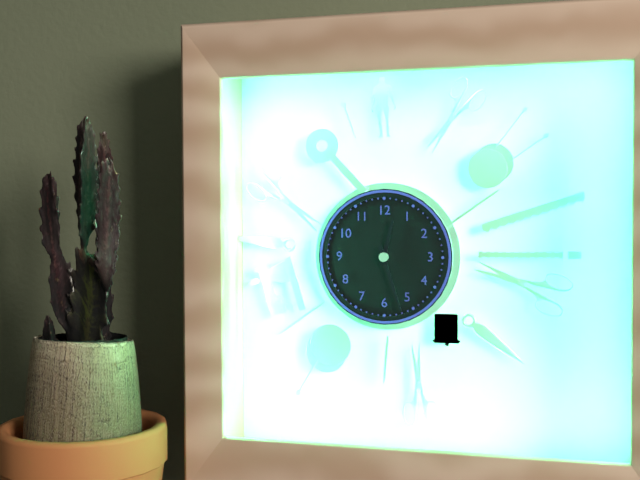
**12:27**
